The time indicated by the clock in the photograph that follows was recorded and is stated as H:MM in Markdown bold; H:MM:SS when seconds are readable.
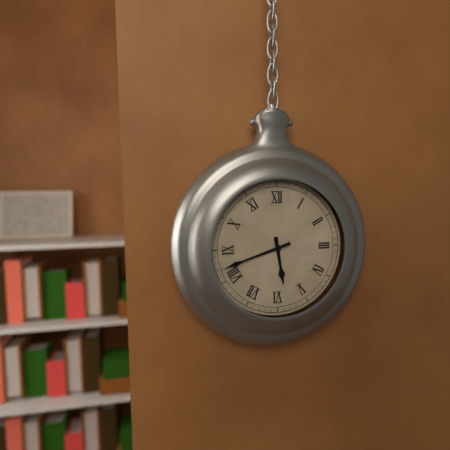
**5:42**
